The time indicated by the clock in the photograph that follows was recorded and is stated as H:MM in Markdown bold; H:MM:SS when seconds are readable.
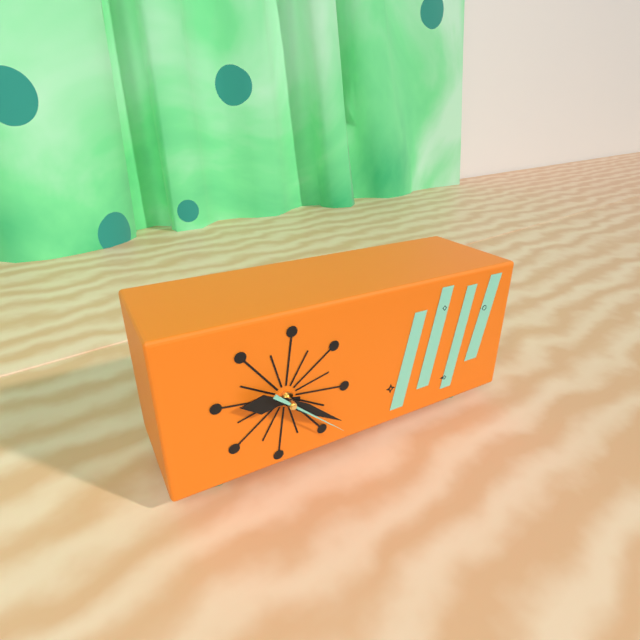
**9:21:22**
